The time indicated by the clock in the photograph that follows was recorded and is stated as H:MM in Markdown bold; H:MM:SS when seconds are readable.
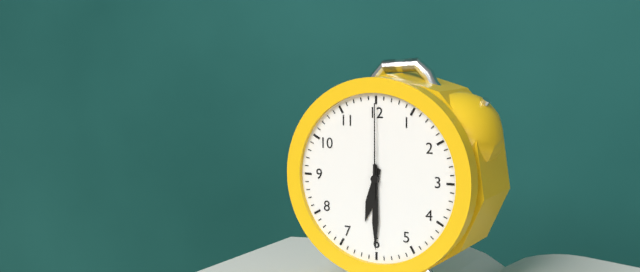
**6:30:00**
